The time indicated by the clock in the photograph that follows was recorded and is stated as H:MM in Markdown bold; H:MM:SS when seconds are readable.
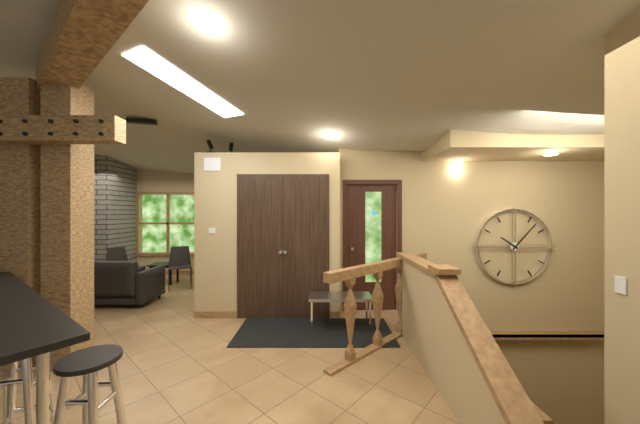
**10:07**
